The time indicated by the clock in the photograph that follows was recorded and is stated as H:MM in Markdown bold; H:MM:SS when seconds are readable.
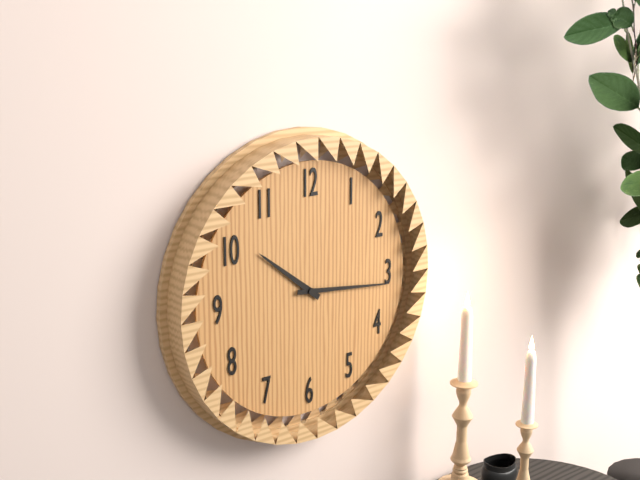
**10:16**
